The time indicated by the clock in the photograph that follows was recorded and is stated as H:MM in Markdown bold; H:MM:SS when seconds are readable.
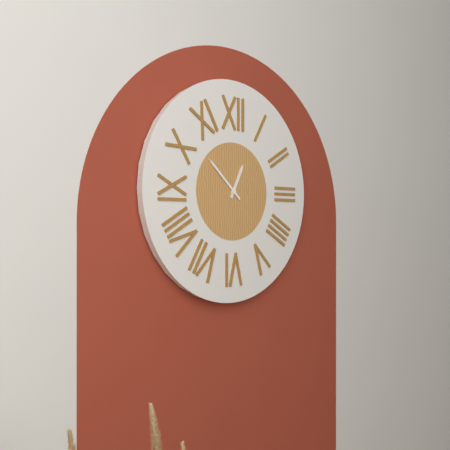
**12:52**
